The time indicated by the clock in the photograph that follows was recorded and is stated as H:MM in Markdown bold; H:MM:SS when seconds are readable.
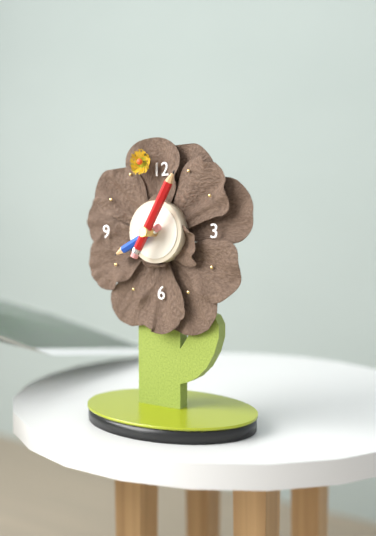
**8:05**
